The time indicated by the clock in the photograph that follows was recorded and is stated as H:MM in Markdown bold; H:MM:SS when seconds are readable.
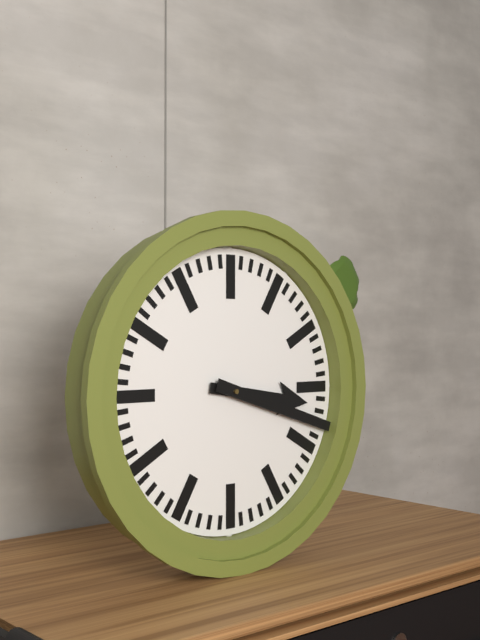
**3:18**
